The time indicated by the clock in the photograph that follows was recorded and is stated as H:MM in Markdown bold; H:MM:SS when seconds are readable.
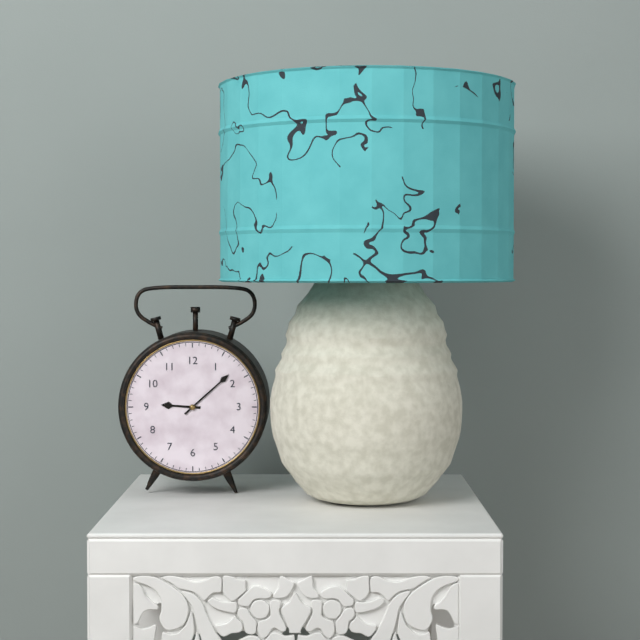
**9:08**
